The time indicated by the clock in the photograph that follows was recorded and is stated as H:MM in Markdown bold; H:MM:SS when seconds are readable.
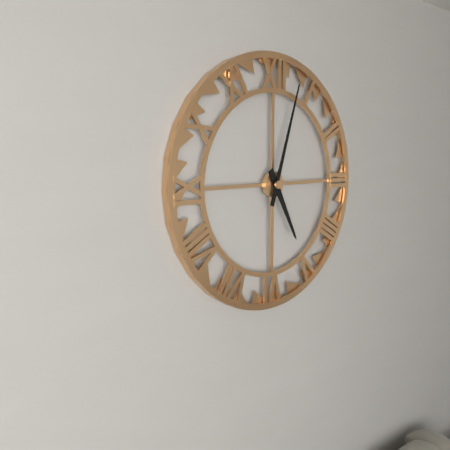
**5:03**
